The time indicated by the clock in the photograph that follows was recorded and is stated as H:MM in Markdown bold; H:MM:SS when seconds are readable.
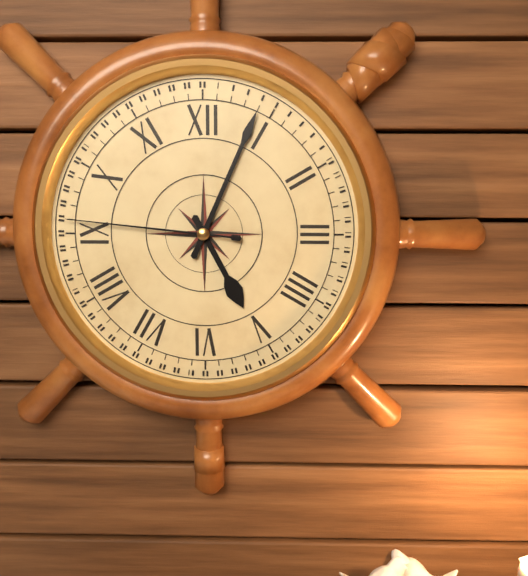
**5:04:46**
